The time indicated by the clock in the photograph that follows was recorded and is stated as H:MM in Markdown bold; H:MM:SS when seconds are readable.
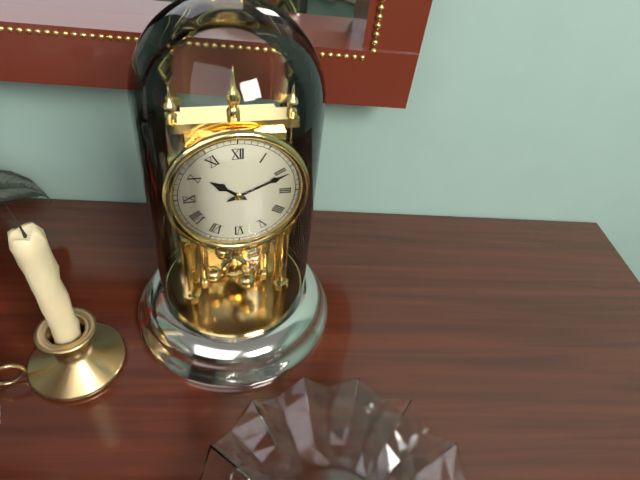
**10:11**
